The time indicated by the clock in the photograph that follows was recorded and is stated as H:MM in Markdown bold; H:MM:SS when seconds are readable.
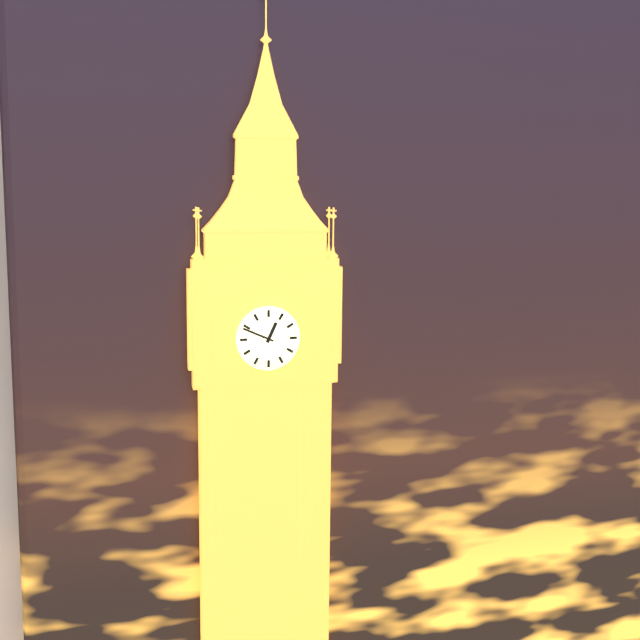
**12:49**
